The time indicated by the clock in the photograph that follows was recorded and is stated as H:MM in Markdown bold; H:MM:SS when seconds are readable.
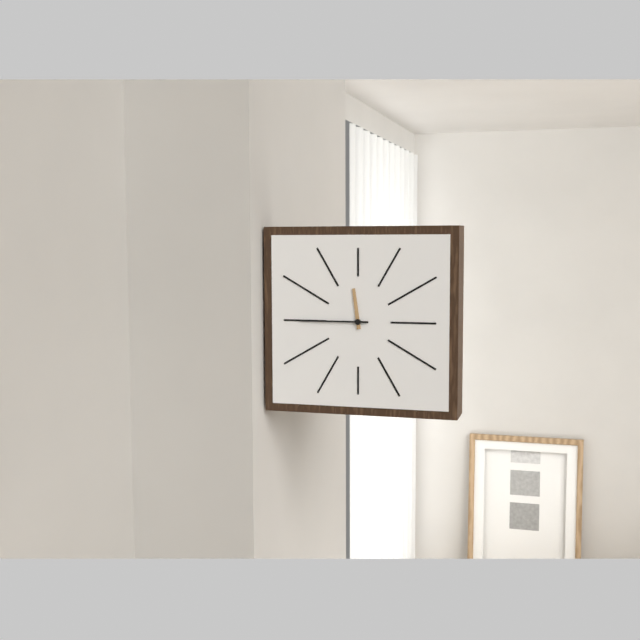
**11:45**
